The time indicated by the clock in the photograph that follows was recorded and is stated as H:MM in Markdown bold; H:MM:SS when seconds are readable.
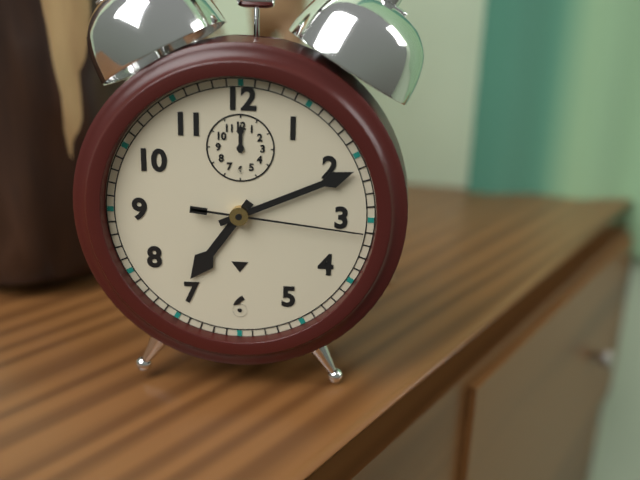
**7:11:16**
